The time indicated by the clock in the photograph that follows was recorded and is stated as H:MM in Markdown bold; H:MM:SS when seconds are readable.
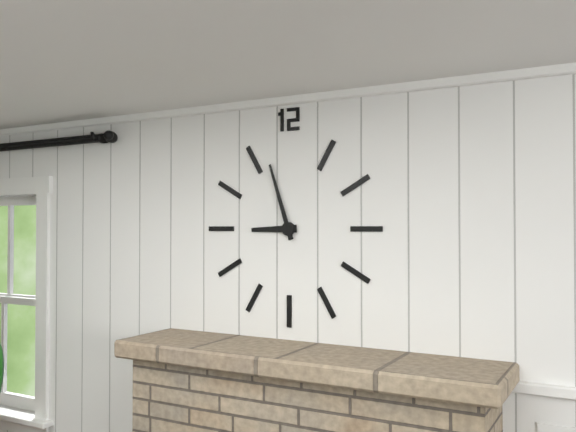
**8:57**
